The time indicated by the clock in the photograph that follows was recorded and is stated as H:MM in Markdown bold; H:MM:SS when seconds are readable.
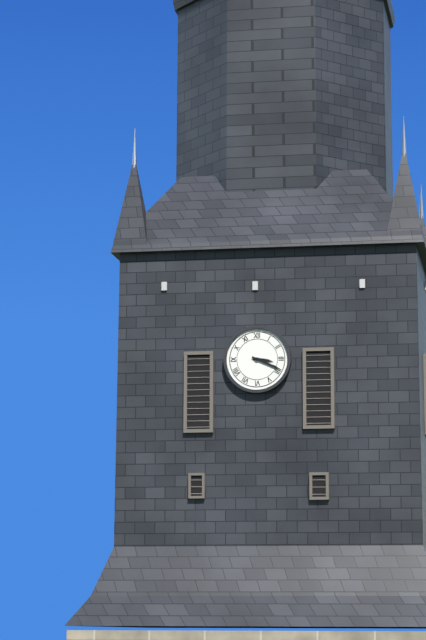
**3:19**
